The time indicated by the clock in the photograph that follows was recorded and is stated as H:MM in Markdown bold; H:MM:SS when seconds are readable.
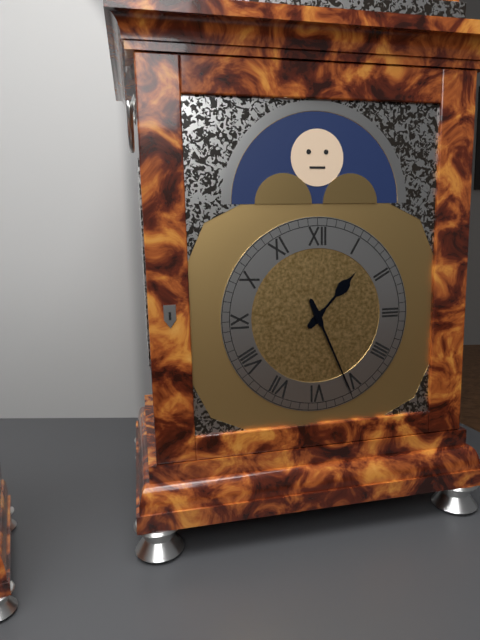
**1:26**
